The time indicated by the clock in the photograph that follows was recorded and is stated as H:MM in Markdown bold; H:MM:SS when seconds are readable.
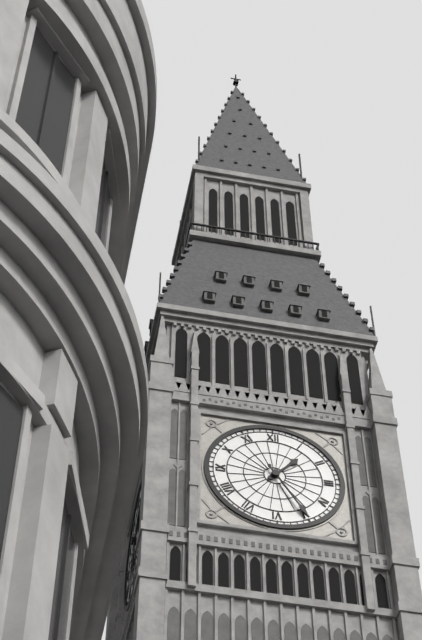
**1:25**
